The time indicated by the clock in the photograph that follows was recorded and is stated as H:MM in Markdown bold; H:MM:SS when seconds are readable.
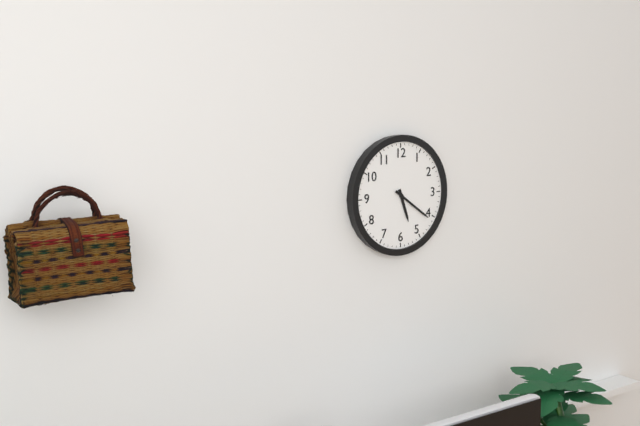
**5:21**
